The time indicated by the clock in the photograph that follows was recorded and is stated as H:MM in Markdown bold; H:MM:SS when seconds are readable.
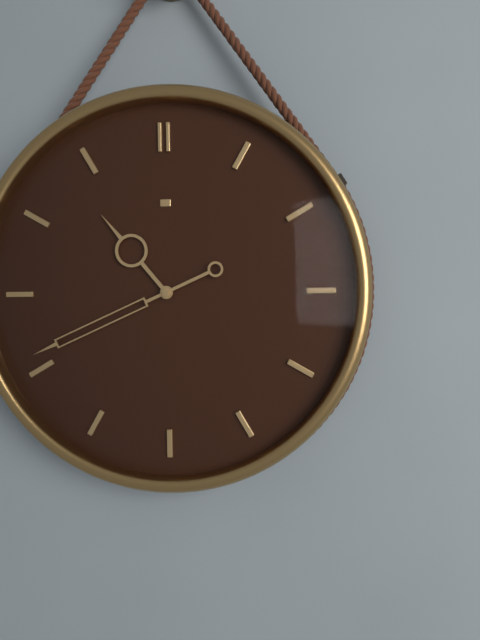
**10:41**
